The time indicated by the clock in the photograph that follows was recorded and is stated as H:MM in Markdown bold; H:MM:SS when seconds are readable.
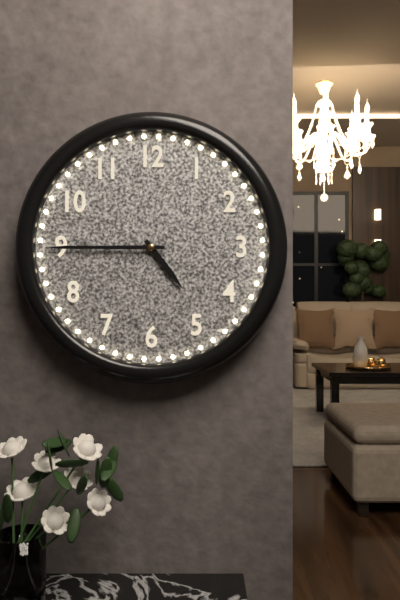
**4:45**
